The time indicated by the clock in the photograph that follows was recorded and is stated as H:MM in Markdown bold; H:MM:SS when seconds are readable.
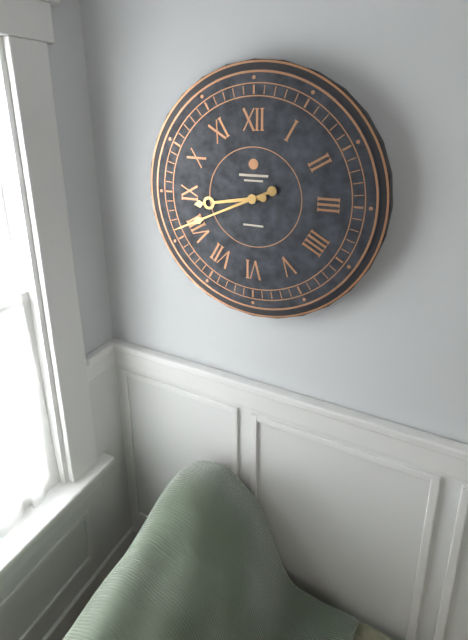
**8:41**
